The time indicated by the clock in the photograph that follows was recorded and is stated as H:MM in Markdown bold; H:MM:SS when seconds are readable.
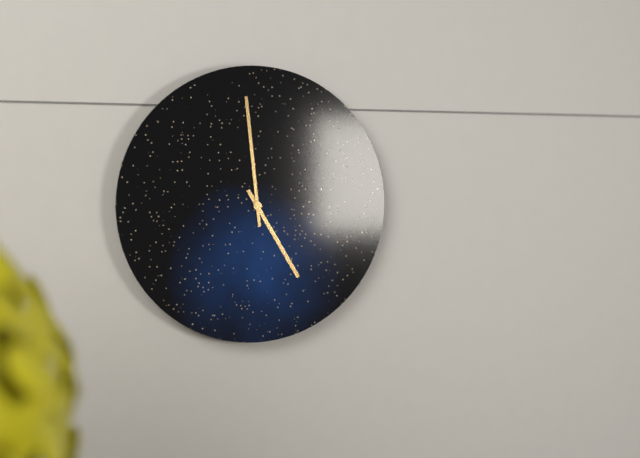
**4:59**
